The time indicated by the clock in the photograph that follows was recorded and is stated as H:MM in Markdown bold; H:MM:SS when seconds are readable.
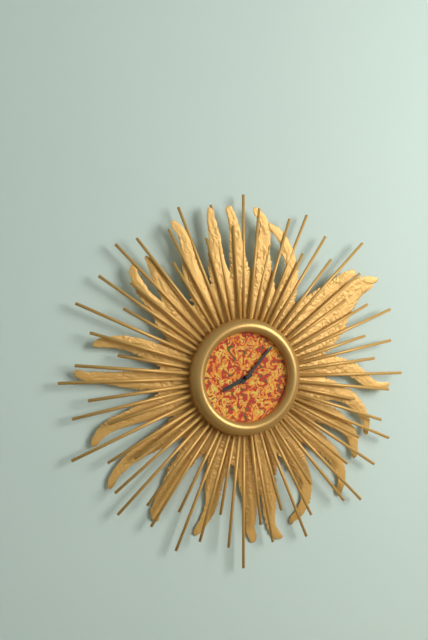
**8:07**
